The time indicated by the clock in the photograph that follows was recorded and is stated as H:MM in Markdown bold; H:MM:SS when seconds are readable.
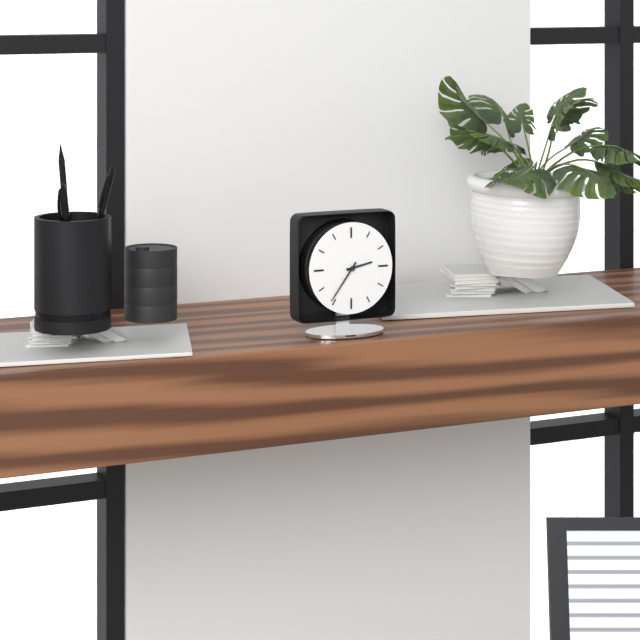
**2:36**
